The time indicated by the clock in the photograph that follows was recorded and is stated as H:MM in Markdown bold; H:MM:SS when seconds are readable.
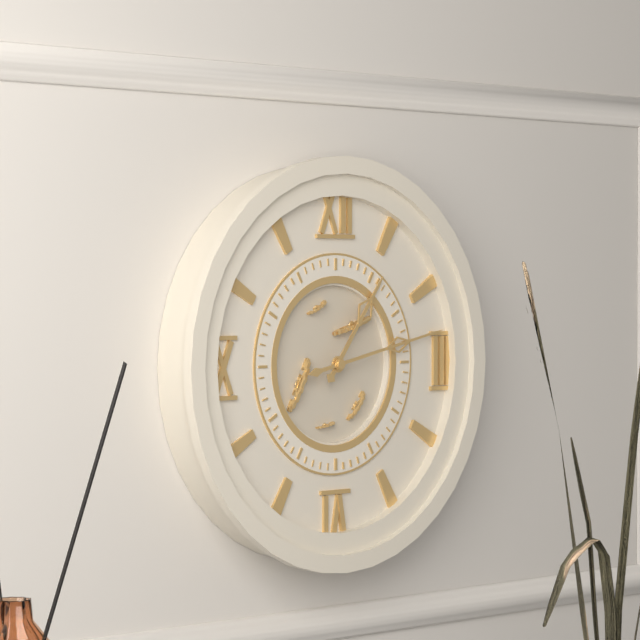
**1:13**
